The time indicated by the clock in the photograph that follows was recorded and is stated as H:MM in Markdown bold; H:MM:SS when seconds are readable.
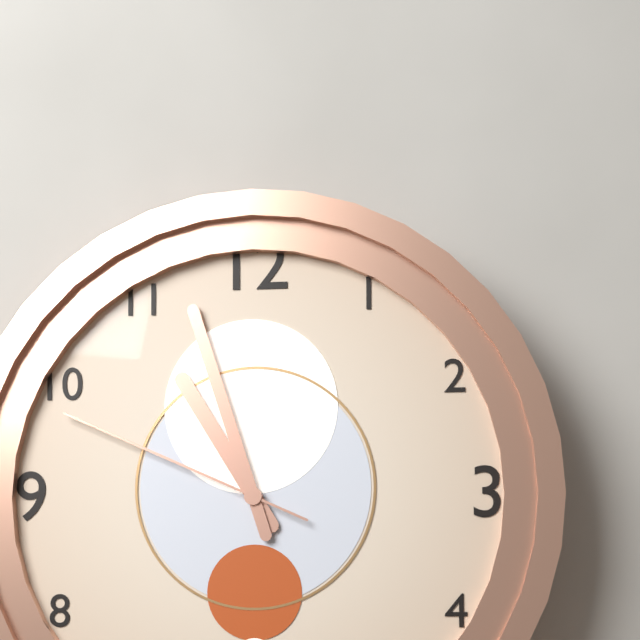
**10:57:49**
